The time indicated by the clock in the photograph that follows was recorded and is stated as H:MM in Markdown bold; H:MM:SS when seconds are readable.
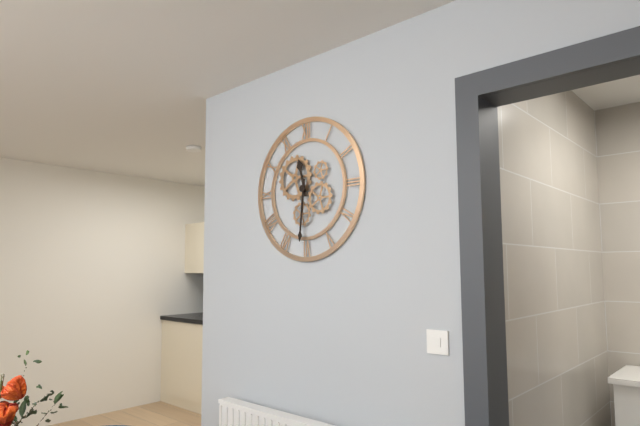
**11:31**
